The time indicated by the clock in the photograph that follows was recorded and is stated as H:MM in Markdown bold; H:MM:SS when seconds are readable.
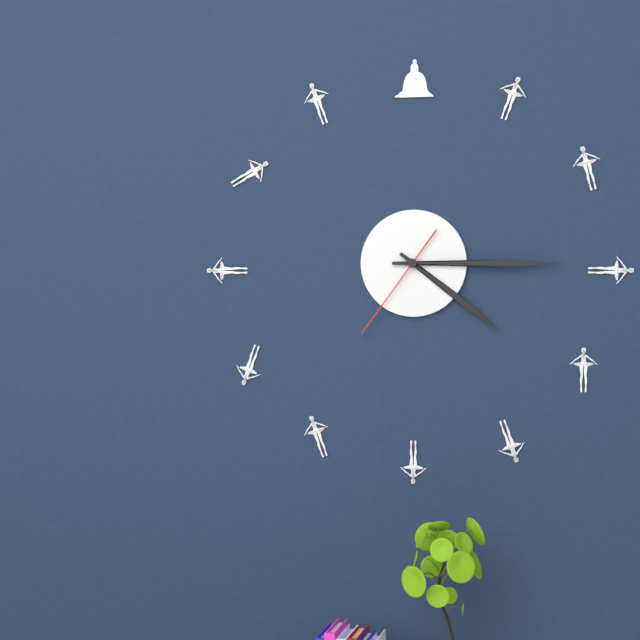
**4:15:36**
